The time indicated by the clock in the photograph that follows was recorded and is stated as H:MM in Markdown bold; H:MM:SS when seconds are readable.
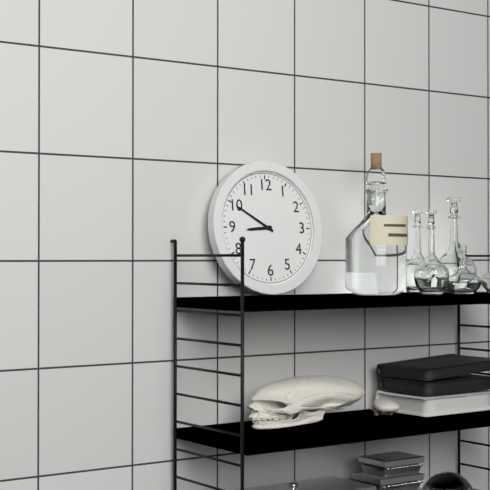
**8:50**
